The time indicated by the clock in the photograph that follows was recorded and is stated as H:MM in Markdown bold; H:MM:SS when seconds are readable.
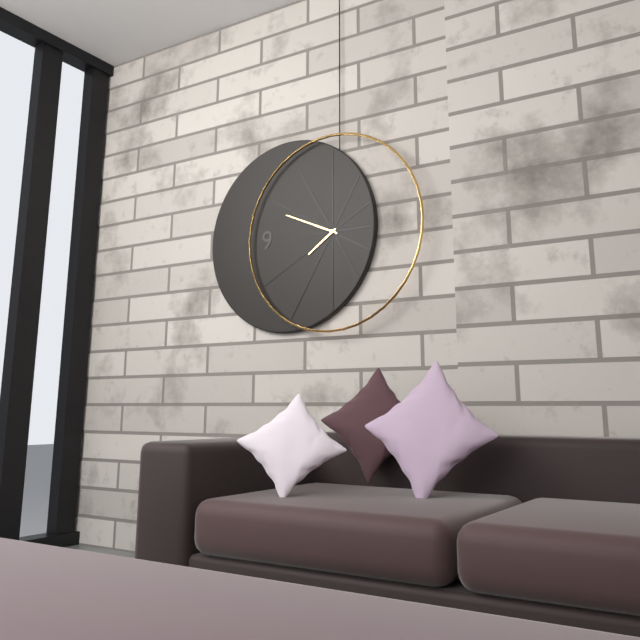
**7:49**
